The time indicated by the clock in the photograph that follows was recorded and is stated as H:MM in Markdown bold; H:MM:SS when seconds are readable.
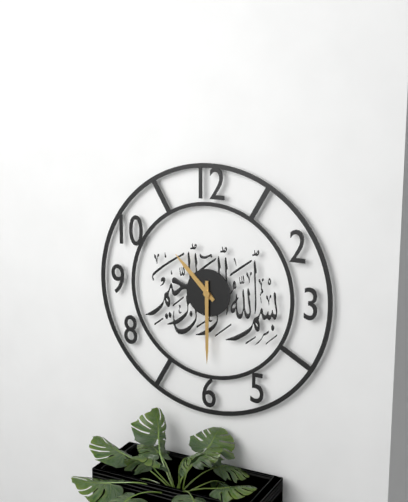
**10:30**
